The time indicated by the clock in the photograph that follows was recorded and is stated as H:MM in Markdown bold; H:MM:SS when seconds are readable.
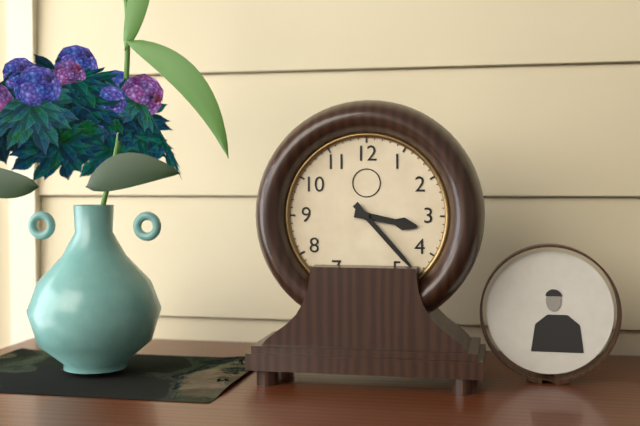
**3:23**
